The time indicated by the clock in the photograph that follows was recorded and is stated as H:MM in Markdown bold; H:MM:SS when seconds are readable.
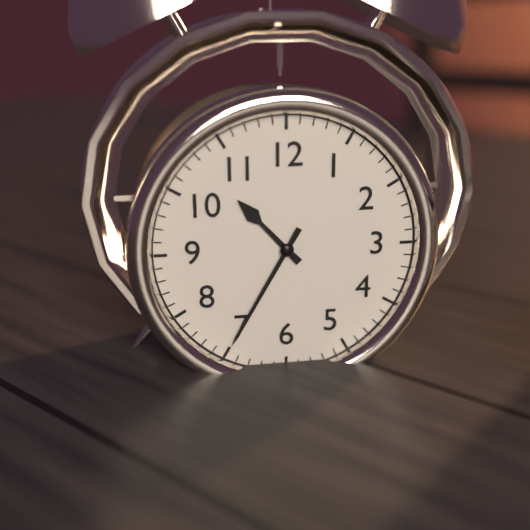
**10:35**
